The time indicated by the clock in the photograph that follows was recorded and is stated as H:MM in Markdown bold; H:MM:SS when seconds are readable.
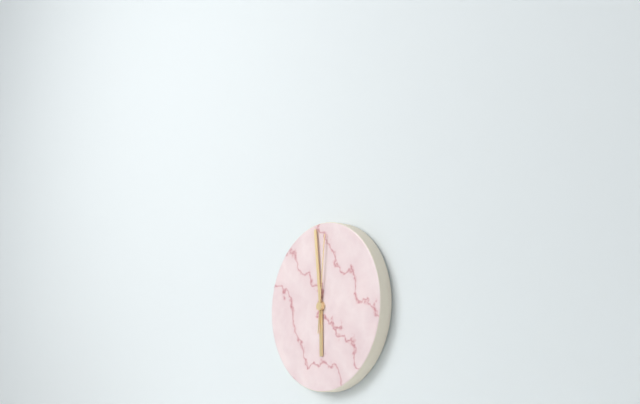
**5:59:01**
